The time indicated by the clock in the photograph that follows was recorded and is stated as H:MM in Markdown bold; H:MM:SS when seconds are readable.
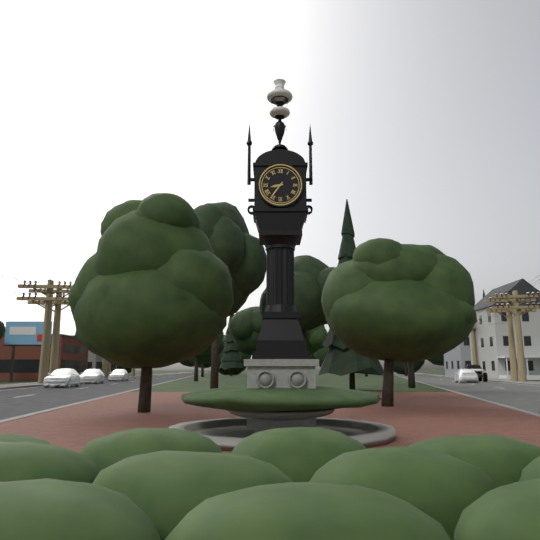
**8:36**
